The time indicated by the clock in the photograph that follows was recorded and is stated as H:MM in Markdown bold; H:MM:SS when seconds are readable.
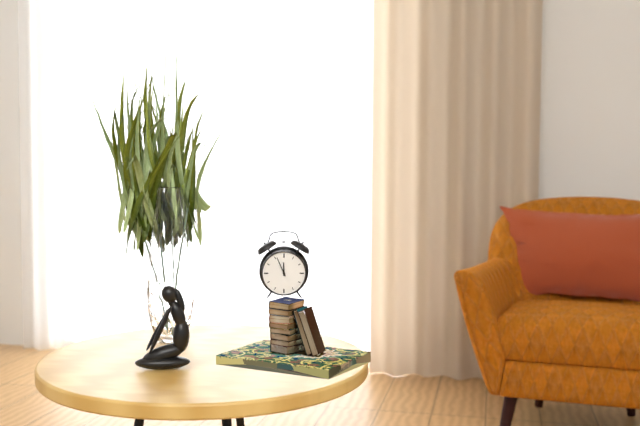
**11:56**
